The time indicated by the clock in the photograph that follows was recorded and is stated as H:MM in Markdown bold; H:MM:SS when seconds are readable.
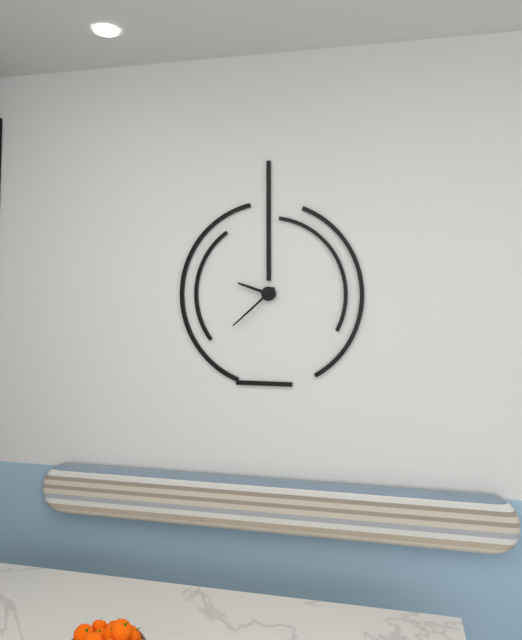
**9:38**
